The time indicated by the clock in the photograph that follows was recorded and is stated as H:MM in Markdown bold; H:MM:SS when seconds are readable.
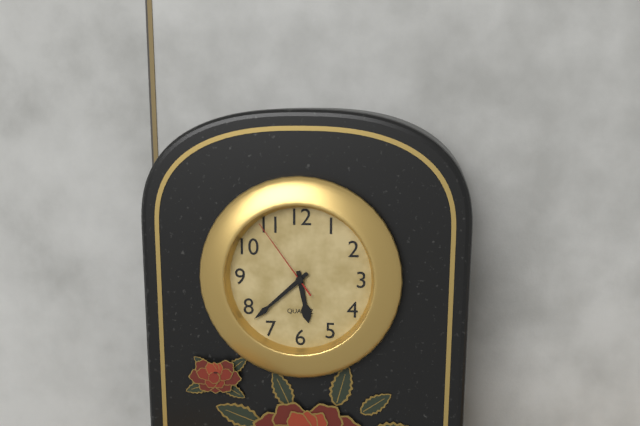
**5:38:54**
